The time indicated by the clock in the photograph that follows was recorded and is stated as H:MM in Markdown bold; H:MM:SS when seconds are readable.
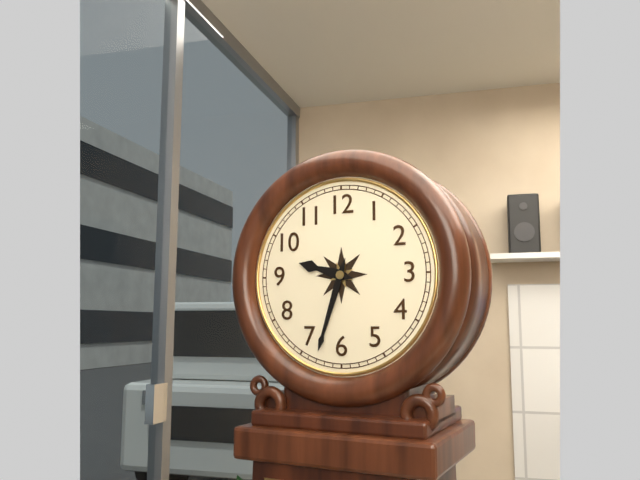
**9:33**
